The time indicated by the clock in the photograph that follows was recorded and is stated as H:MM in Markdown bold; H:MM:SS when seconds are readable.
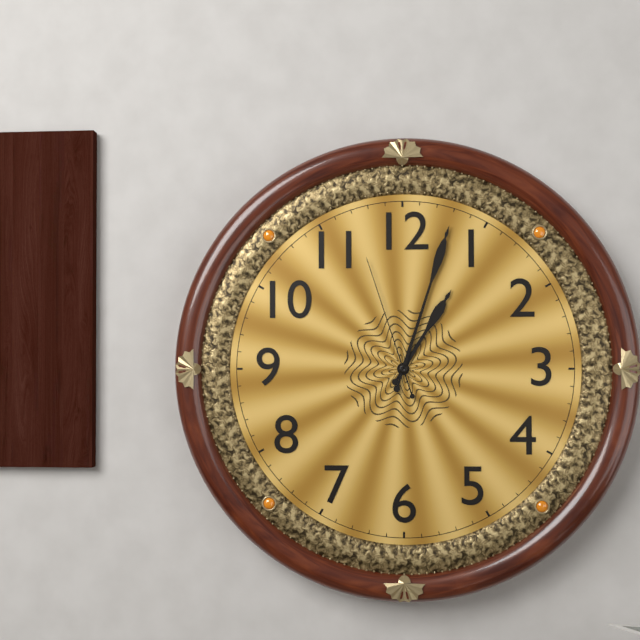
**1:03:57**
